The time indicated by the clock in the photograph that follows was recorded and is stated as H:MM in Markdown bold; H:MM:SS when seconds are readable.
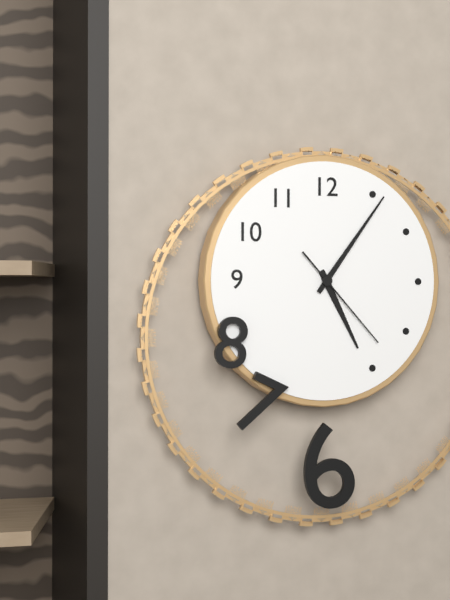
**5:06:23**
